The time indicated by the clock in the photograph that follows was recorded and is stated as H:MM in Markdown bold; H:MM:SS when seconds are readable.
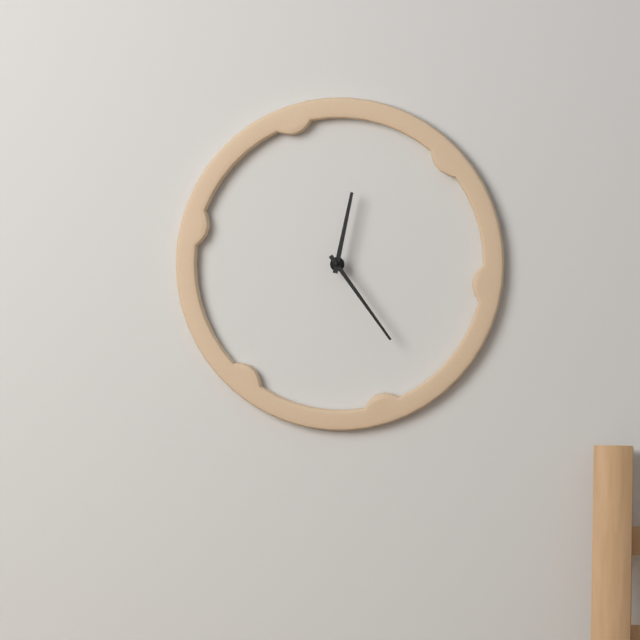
**12:24**
